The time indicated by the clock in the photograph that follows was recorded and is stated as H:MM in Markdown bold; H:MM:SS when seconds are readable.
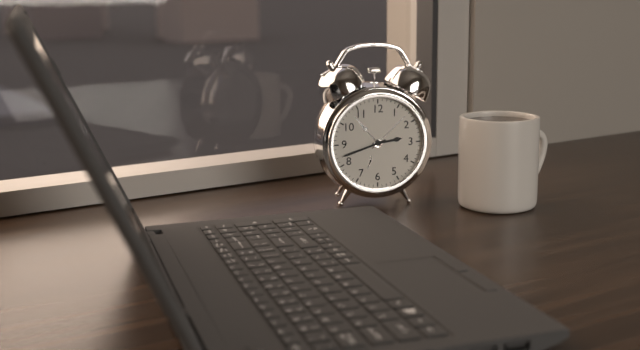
**2:42**
